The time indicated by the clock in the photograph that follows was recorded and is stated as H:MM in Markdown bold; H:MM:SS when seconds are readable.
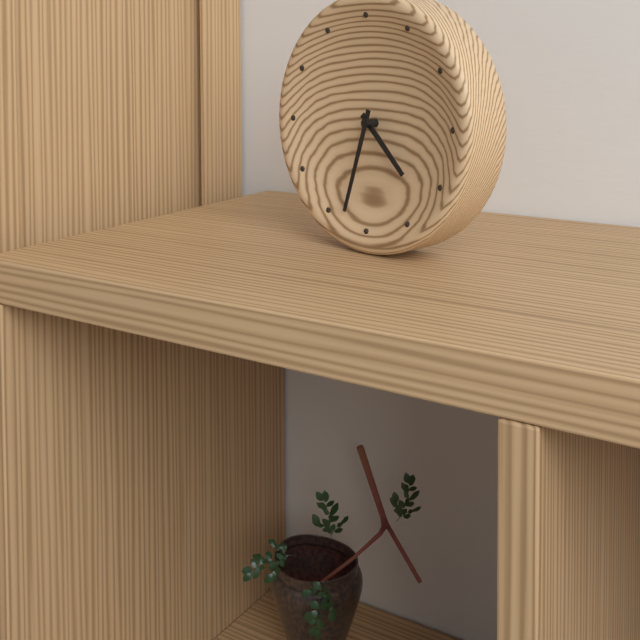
**4:33**
